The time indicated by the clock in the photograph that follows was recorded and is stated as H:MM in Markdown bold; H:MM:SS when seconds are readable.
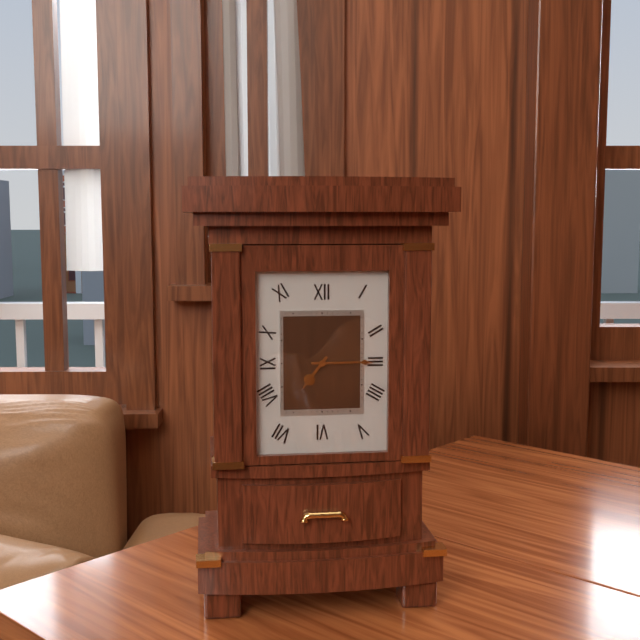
**7:15**
